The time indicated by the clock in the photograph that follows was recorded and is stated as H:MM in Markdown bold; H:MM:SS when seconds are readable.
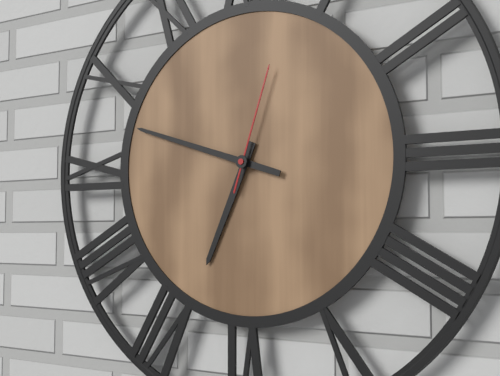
**6:48:03**
